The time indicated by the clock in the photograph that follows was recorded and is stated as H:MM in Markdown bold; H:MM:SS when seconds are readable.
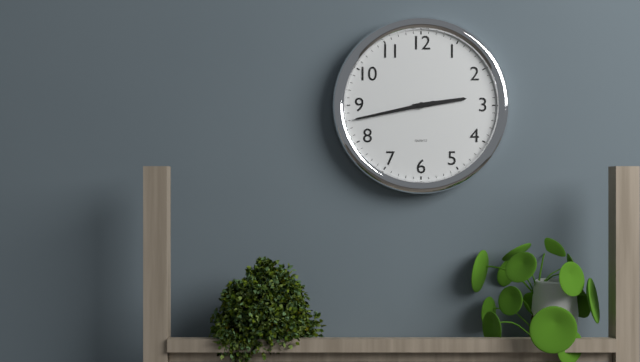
**2:43**
